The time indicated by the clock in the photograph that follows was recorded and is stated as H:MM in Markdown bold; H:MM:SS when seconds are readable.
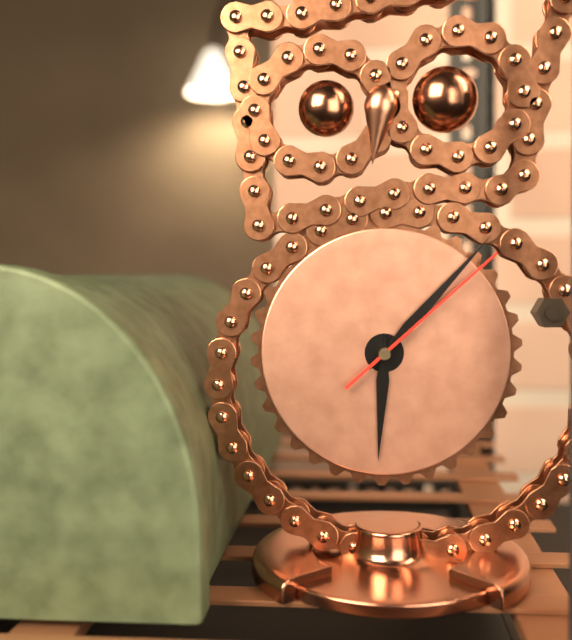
**6:07:08**
